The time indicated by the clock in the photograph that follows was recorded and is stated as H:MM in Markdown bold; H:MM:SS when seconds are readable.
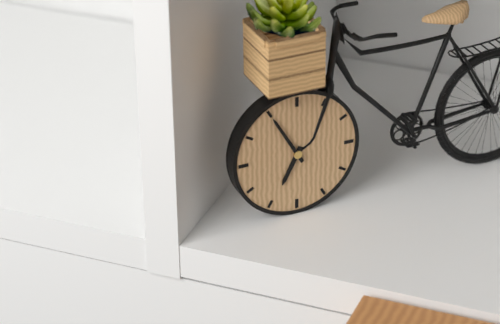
**6:55**
